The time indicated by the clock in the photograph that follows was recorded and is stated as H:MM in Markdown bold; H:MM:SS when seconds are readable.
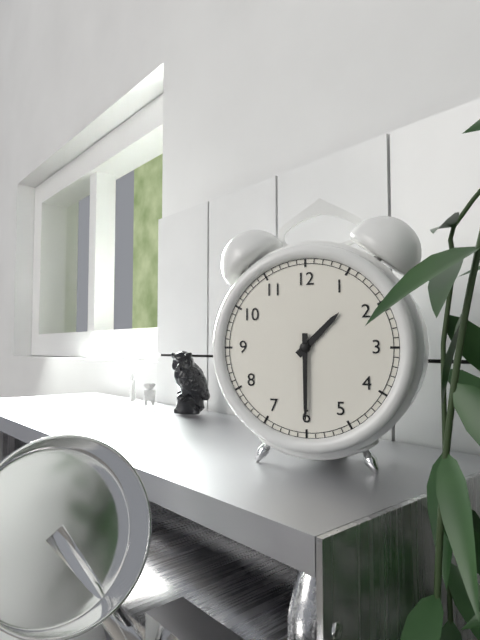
**1:30**
